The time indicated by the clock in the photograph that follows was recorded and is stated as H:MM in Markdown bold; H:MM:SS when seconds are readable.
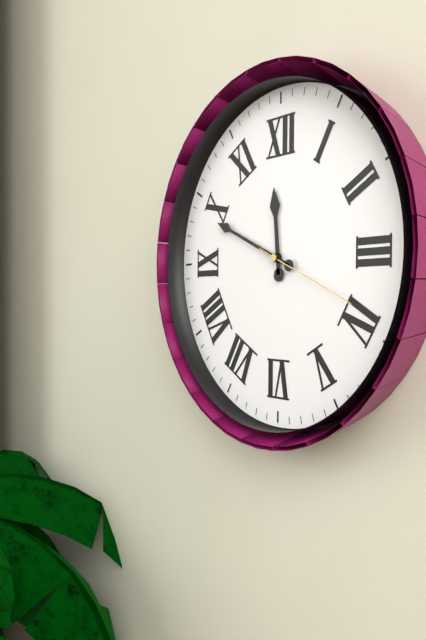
**11:49:19**
